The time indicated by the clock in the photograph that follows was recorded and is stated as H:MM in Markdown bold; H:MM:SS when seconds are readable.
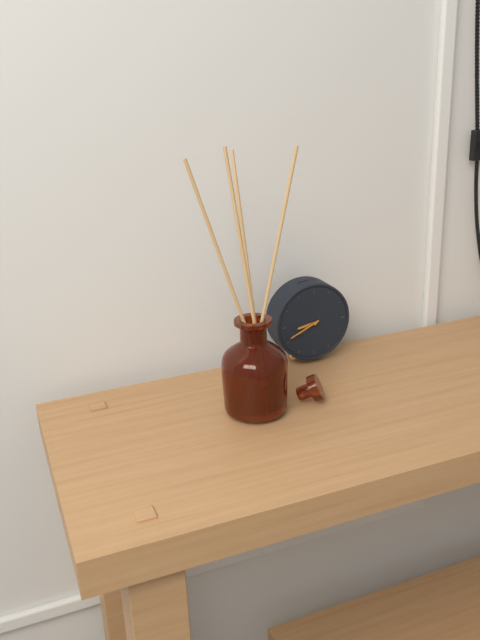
**8:41**
